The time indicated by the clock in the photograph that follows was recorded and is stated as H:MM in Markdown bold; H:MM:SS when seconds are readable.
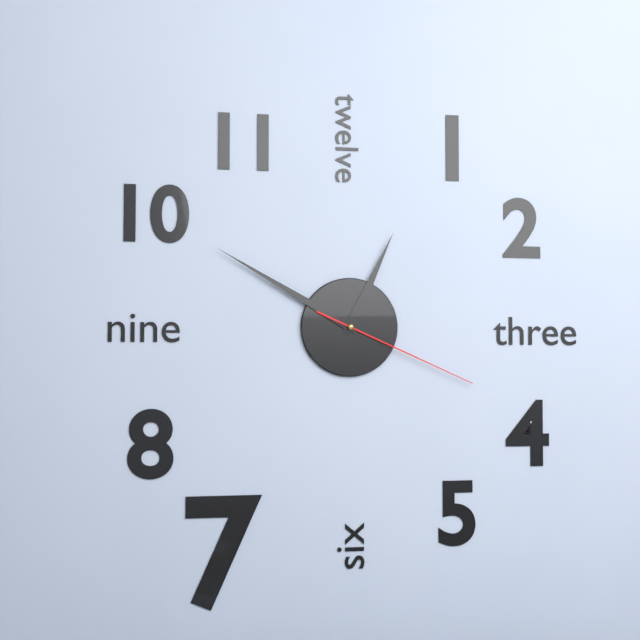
**12:50:19**
